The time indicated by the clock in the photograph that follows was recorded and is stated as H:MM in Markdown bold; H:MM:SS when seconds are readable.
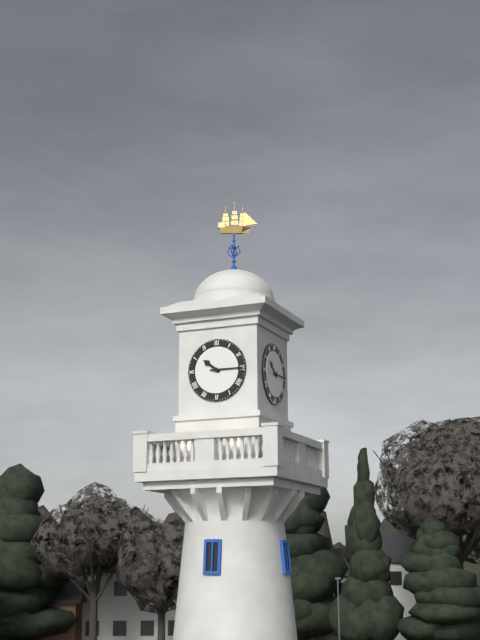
**10:15**
